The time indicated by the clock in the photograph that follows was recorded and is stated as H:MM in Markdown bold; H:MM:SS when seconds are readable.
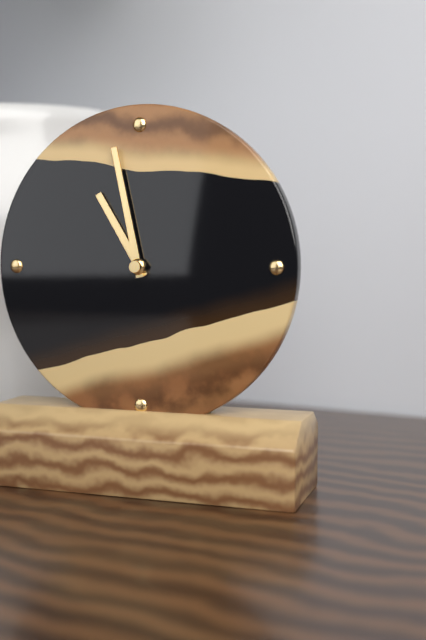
**10:58**
